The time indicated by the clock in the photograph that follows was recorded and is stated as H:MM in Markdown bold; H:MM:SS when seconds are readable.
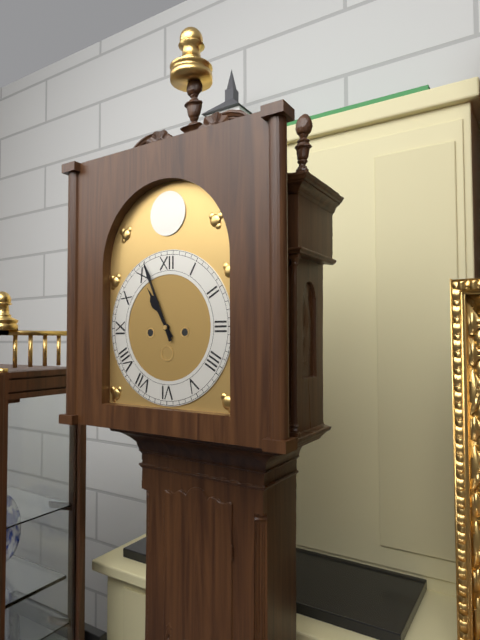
**10:56**
